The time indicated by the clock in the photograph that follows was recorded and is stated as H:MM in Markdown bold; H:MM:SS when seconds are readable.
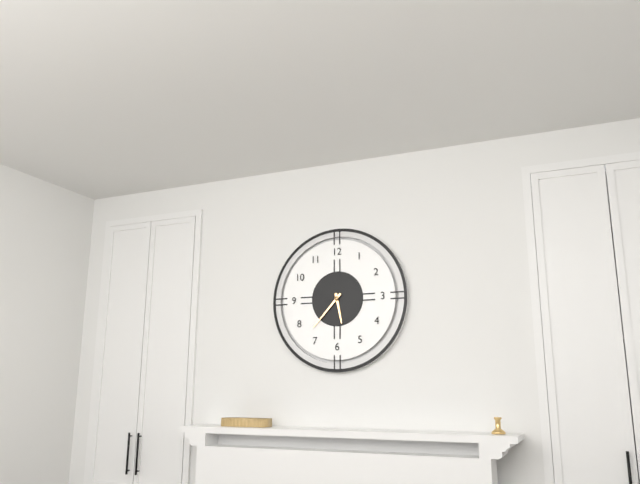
**5:37**
